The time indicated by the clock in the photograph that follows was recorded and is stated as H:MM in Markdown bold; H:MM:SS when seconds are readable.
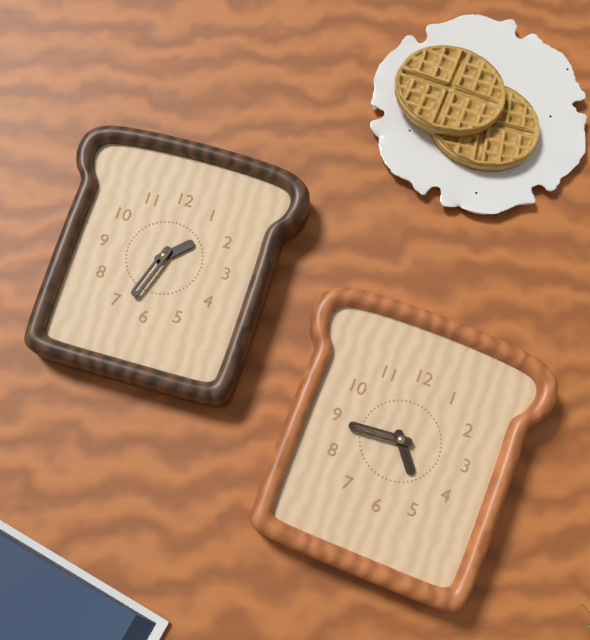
**4:44**
